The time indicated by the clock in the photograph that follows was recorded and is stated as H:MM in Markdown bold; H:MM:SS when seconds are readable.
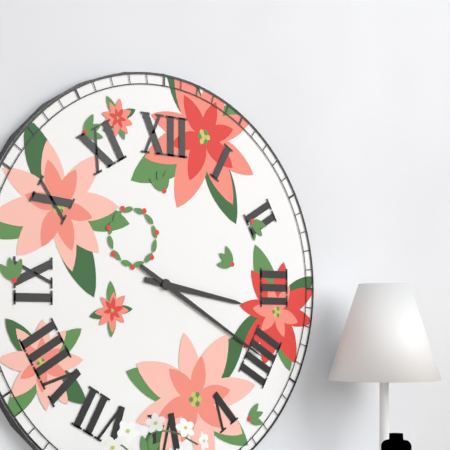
**3:20**
